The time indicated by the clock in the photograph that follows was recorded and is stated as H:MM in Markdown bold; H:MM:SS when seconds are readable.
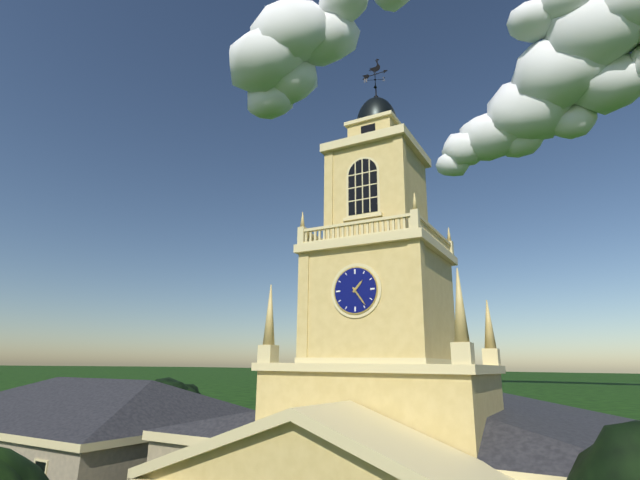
**1:24**
